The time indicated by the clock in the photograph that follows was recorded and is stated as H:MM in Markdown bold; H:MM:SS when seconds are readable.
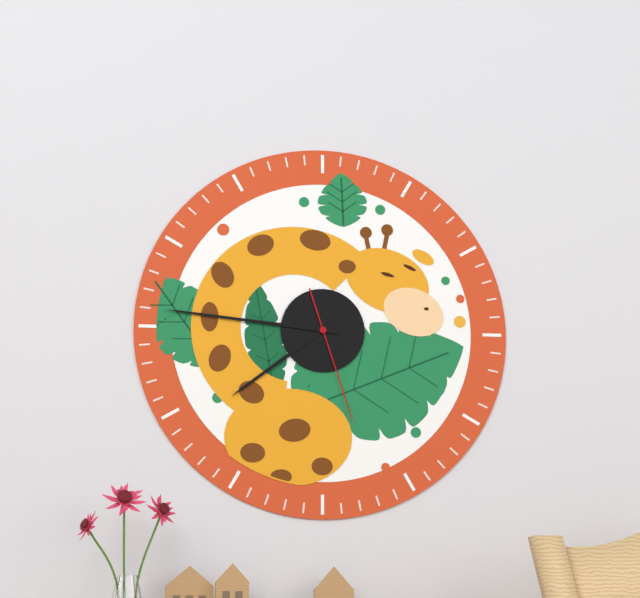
**7:46:27**
